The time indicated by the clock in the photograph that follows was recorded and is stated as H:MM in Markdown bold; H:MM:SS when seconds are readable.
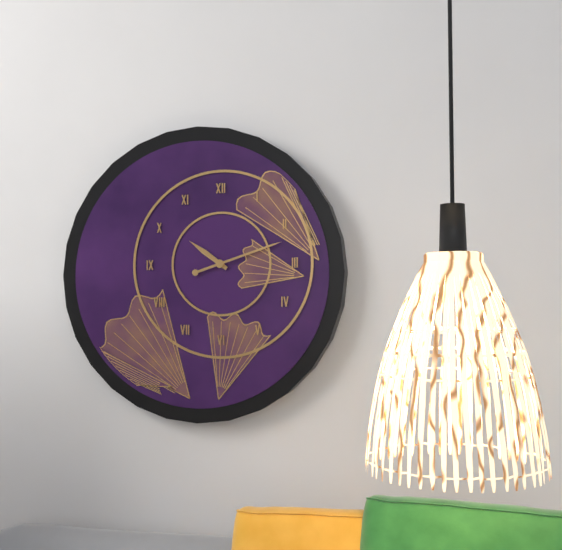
**10:12**
